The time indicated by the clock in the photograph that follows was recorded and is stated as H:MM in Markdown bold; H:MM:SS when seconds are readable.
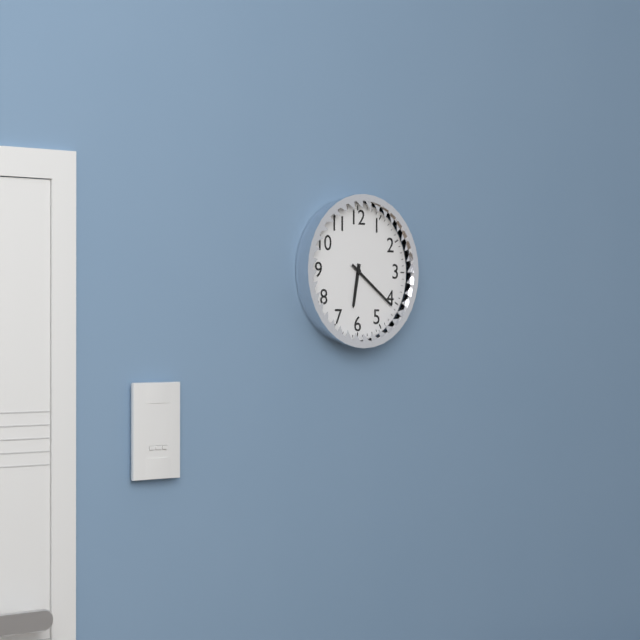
**6:21**
